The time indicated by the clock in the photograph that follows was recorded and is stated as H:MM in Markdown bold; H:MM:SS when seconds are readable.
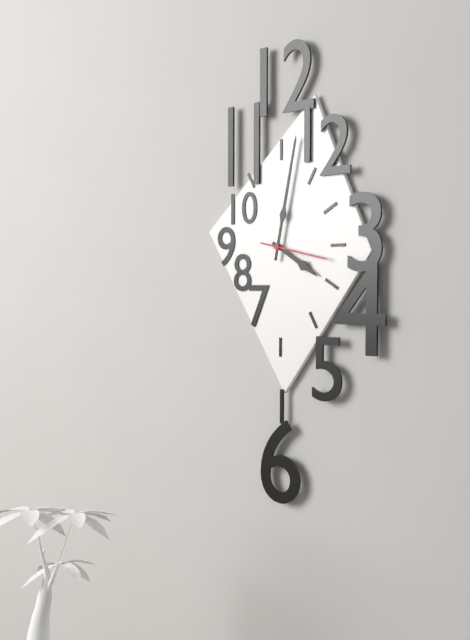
**4:02:17**
